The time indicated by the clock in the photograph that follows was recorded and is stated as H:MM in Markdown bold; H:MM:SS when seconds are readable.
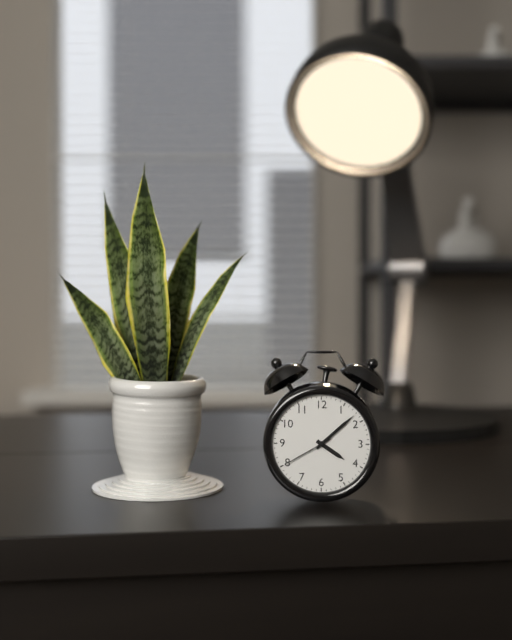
**4:08:40**
